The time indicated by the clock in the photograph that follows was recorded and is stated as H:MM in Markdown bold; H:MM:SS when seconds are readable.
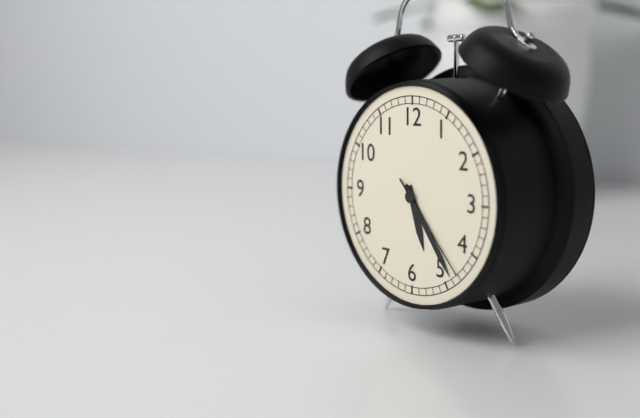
**5:24:23**
